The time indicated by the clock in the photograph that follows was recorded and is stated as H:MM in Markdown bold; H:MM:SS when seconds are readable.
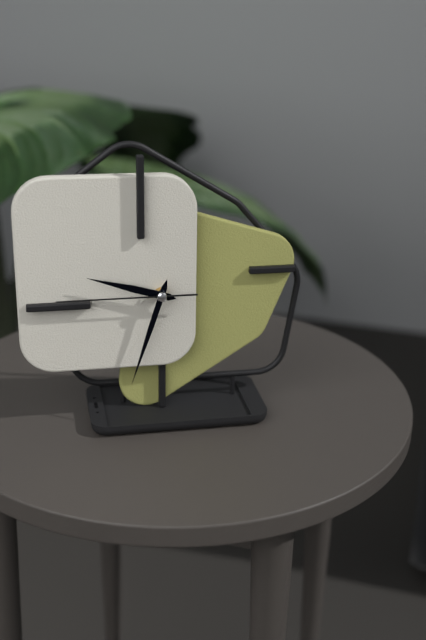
**9:33:45**
